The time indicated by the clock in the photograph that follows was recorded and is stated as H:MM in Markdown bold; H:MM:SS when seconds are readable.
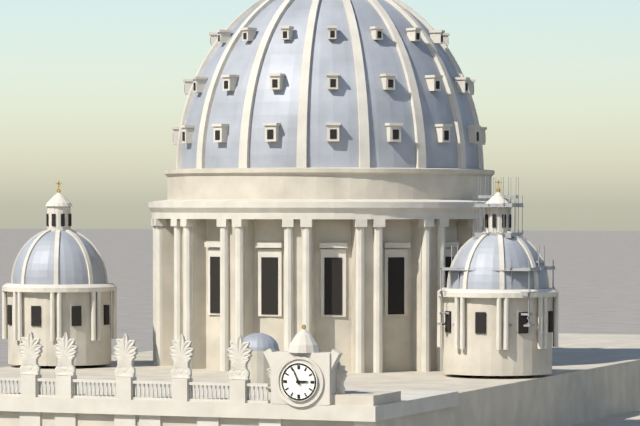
**2:56**
